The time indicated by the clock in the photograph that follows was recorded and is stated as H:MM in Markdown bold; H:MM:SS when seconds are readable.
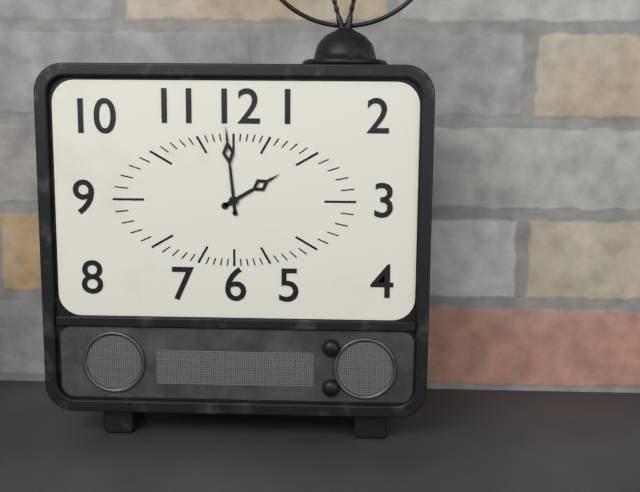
**1:59**
